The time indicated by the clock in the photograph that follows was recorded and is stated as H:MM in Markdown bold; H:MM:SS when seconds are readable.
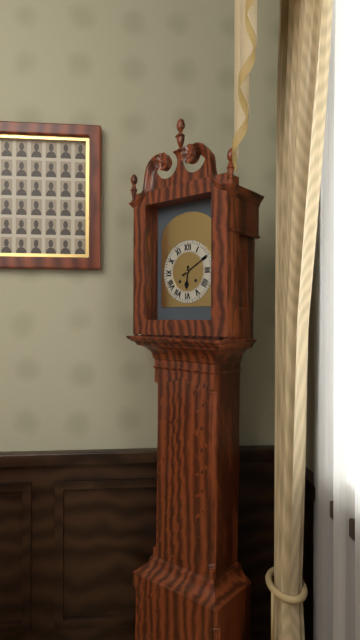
**6:10**
